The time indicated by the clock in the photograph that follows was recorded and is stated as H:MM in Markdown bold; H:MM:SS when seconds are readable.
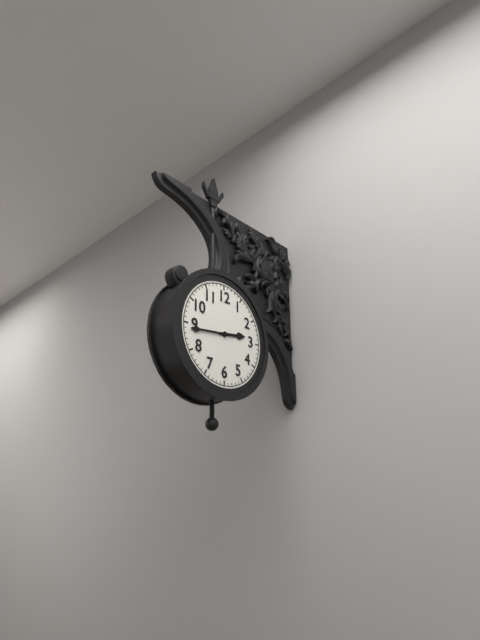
**2:44**
